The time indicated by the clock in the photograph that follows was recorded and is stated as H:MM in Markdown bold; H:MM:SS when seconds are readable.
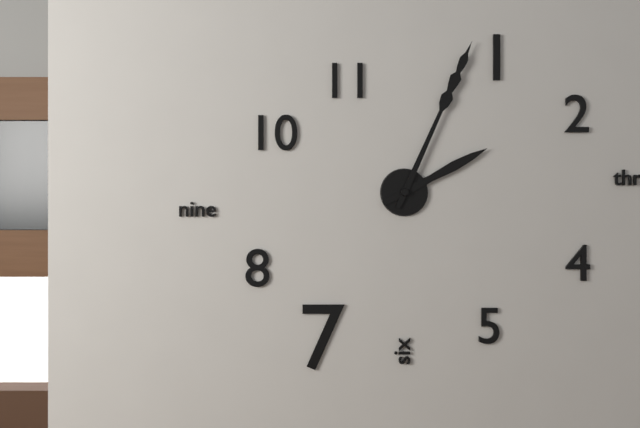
**2:04**
